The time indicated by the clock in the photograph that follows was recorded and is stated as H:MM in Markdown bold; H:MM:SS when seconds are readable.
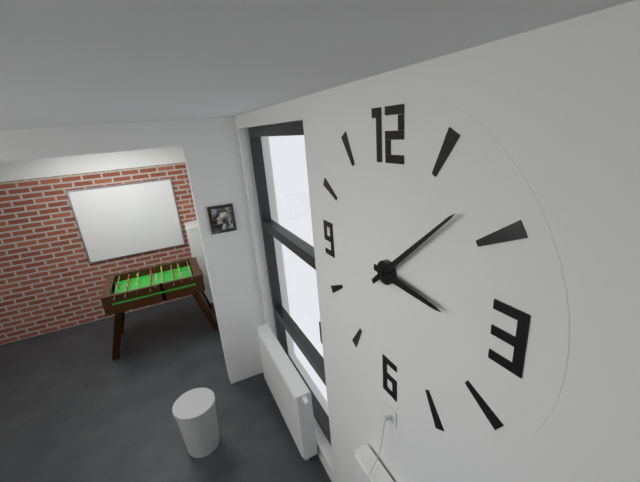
**3:08**
